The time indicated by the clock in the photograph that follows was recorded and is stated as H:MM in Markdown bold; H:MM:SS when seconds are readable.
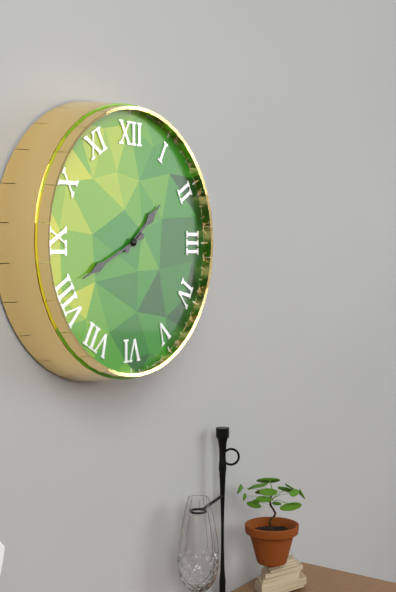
**1:41**
